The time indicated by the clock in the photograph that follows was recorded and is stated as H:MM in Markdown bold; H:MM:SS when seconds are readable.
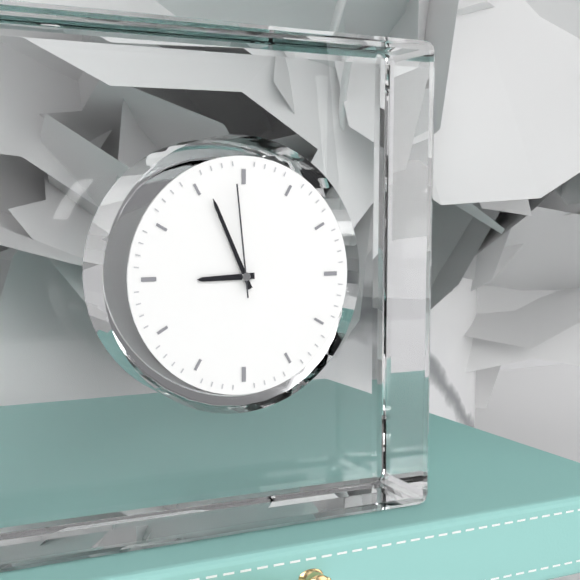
**8:56:59**
